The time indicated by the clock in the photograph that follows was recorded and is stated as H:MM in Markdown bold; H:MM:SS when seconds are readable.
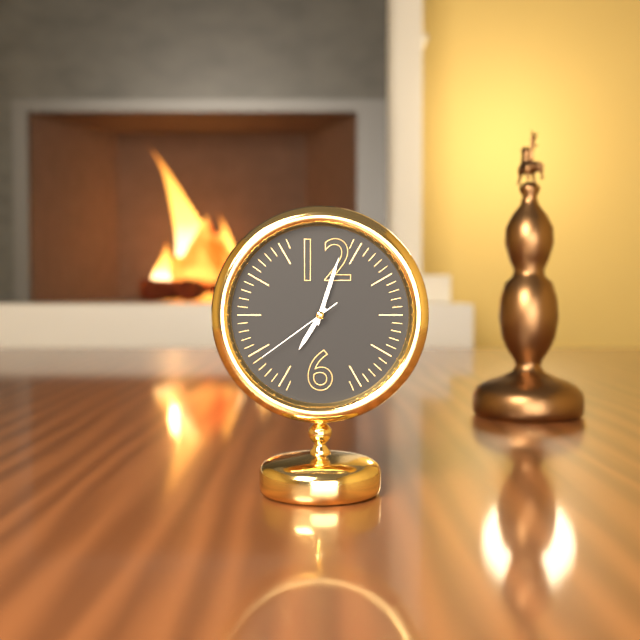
**7:03:39**
